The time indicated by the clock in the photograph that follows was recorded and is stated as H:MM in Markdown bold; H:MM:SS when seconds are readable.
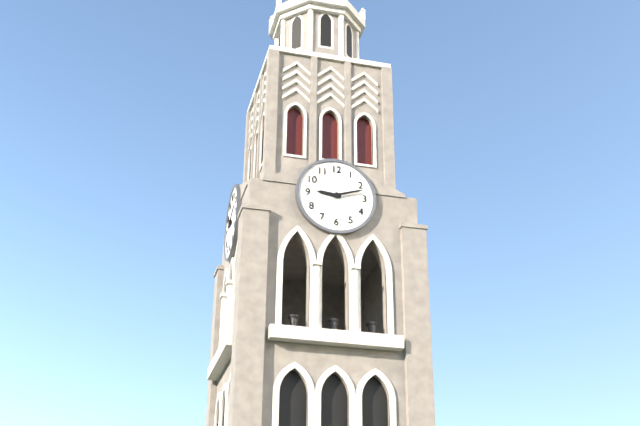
**9:12**
